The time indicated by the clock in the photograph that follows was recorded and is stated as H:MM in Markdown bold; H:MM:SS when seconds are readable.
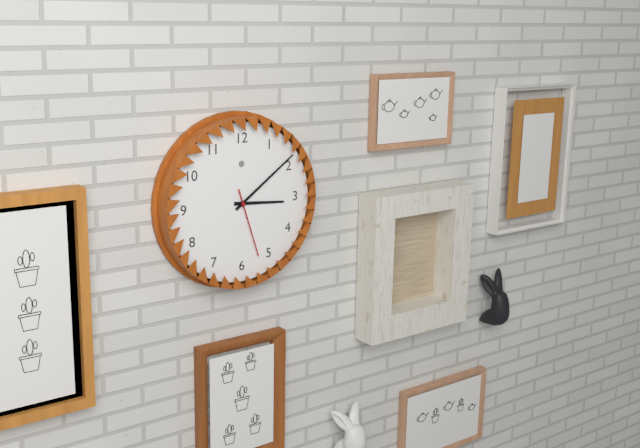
**3:09:27**
